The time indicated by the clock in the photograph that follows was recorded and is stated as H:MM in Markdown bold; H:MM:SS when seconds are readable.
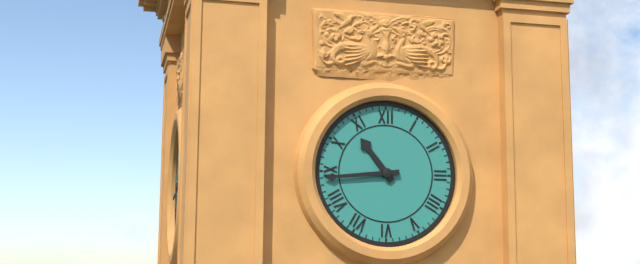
**10:44**
